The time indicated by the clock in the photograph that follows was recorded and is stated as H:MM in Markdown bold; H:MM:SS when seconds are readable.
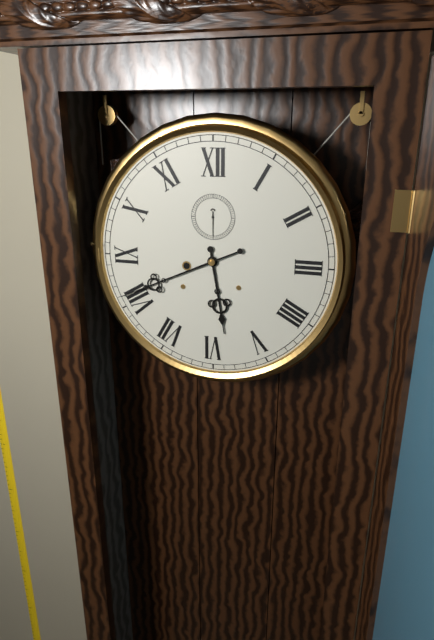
**5:41**
